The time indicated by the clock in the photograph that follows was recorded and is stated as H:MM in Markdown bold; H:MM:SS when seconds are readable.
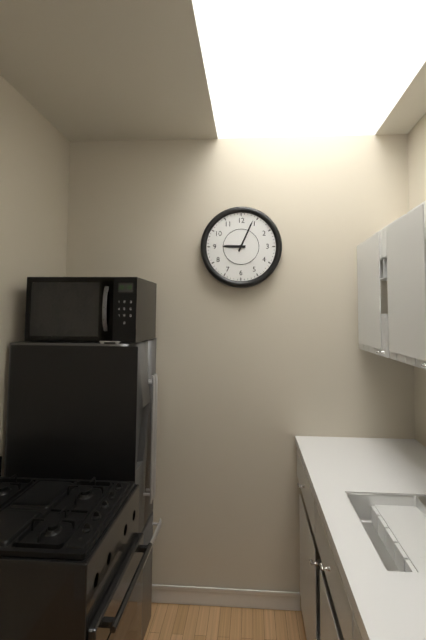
**9:04**
